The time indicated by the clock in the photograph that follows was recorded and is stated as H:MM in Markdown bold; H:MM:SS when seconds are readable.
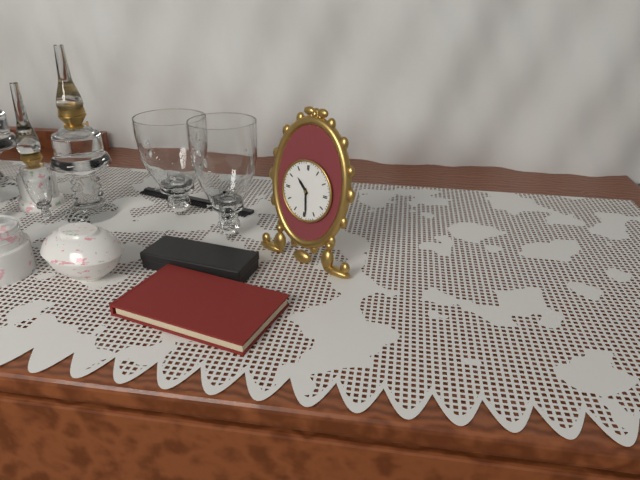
**10:29**
